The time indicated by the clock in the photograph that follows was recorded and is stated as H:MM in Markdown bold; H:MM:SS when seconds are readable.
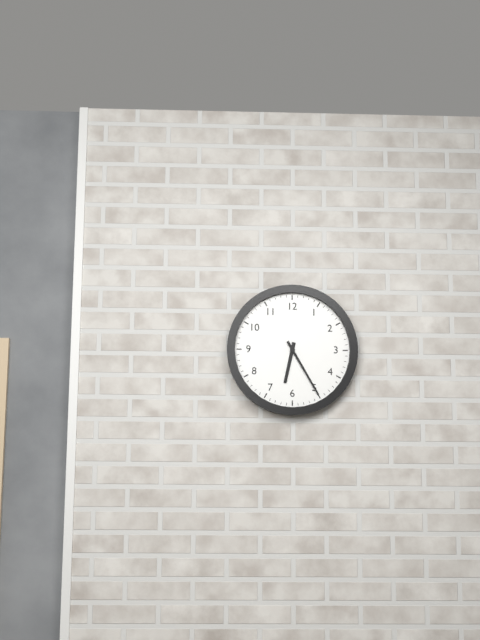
**6:25**
